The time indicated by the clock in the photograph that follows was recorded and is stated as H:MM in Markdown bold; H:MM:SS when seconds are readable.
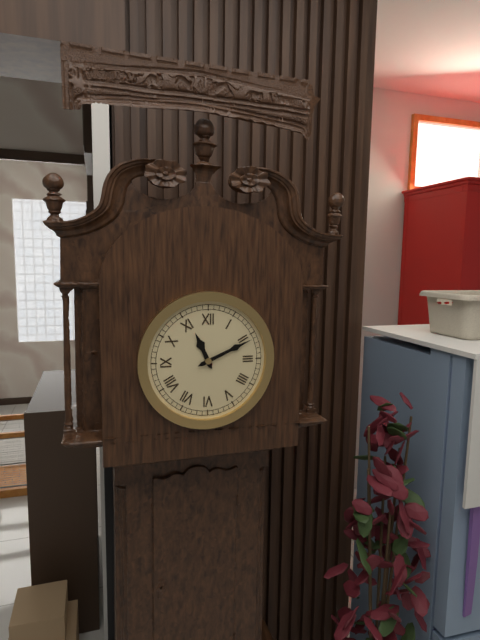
**11:11**
